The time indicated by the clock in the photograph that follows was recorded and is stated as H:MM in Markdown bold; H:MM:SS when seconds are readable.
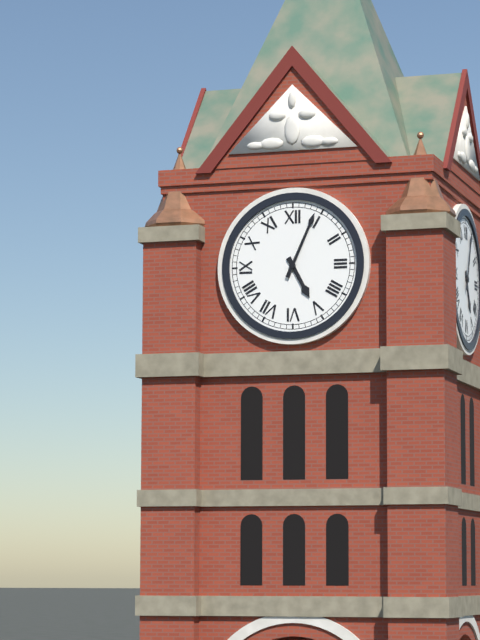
**5:04**
